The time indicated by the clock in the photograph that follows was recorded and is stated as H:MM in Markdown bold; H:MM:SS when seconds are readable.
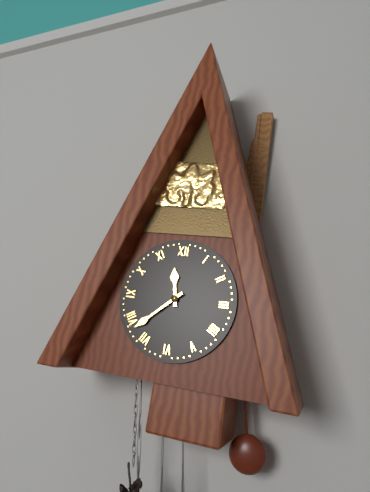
**11:38**
